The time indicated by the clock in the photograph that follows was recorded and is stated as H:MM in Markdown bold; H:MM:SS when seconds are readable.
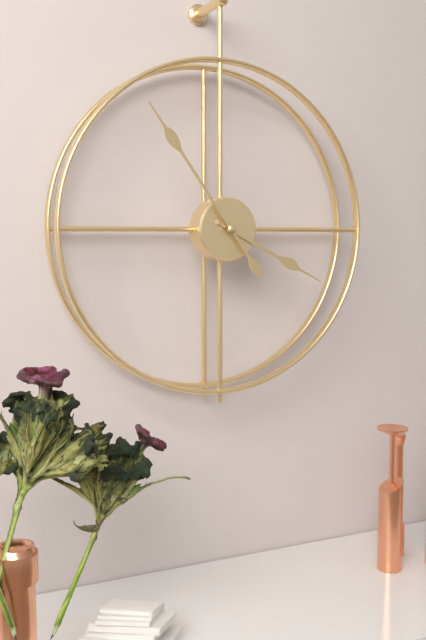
**3:54**
